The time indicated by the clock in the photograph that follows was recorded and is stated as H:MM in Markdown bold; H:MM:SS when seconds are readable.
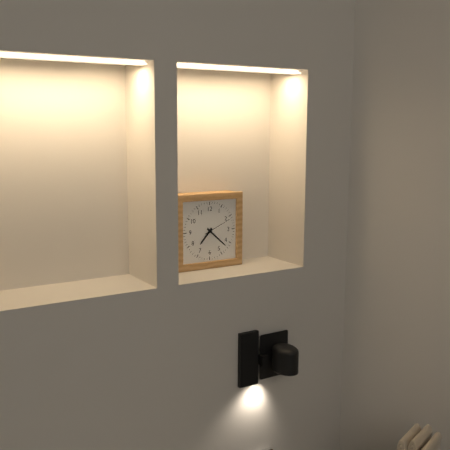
**7:22**
